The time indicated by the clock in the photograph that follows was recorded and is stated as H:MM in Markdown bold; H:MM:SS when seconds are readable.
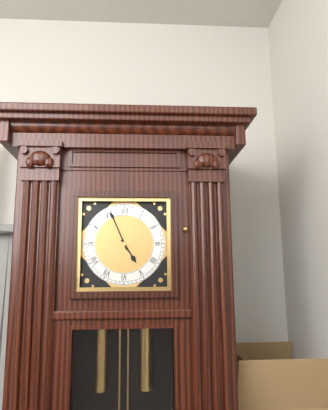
**4:56**
